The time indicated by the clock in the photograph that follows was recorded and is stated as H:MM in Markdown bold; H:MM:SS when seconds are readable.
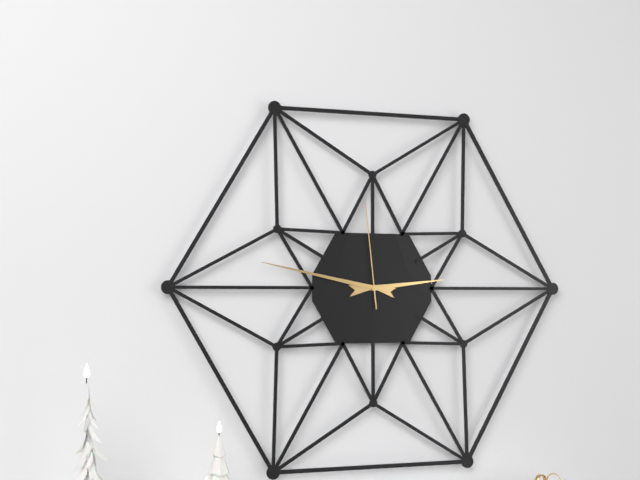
**2:47:59**
